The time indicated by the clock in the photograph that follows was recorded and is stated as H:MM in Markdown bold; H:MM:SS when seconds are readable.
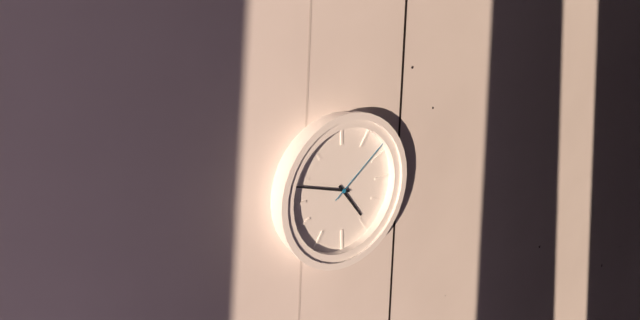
**4:48:09**
